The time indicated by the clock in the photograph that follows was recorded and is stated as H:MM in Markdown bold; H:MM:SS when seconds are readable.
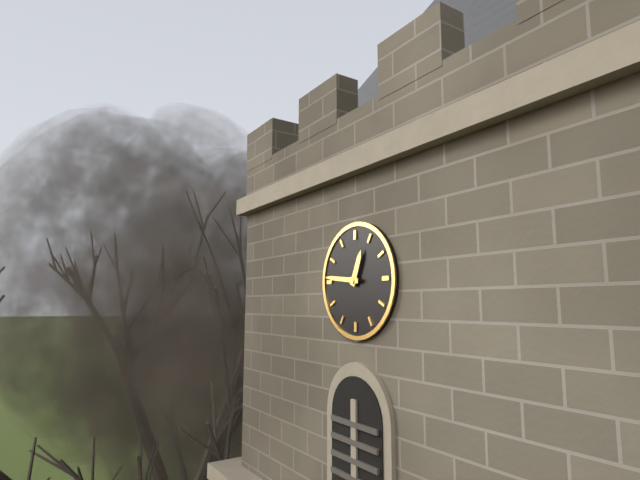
**12:46**
